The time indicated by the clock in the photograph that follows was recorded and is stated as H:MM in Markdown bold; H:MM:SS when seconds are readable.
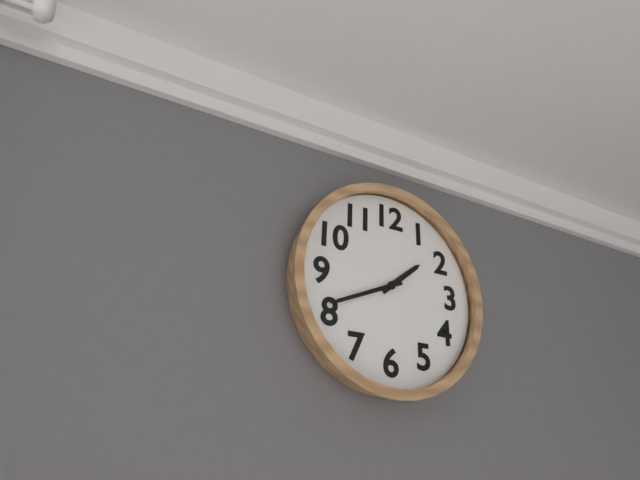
**1:41**
